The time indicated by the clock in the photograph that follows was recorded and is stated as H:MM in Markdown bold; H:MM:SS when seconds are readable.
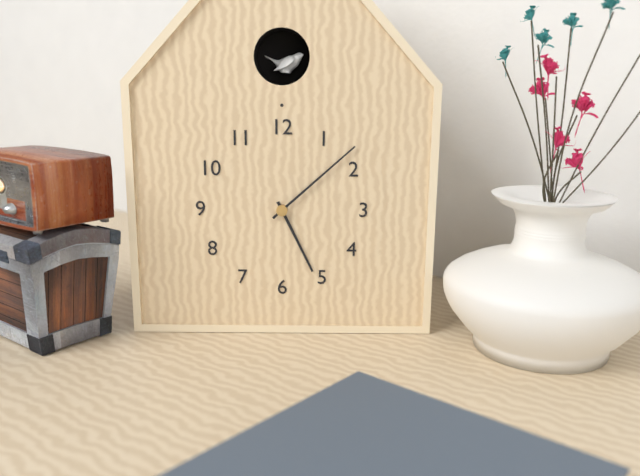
**5:08**
